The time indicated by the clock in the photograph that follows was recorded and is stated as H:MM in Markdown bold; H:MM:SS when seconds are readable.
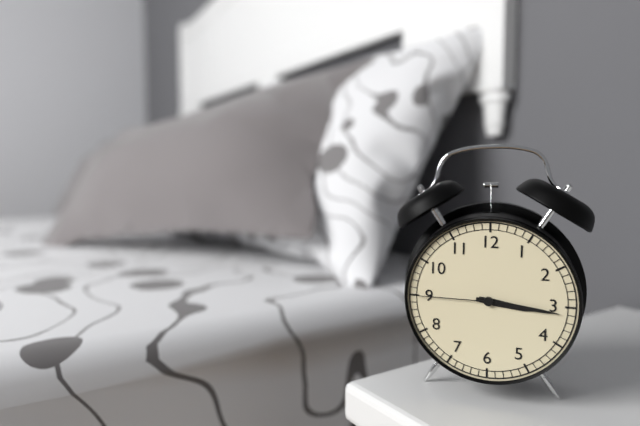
**3:16:45**
